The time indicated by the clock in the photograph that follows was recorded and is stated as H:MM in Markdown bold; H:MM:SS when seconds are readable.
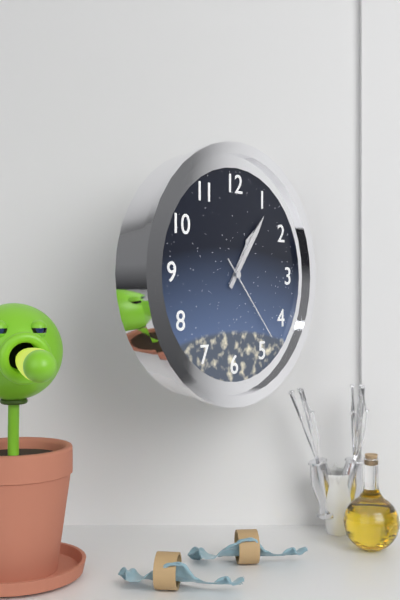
**1:06:23**
